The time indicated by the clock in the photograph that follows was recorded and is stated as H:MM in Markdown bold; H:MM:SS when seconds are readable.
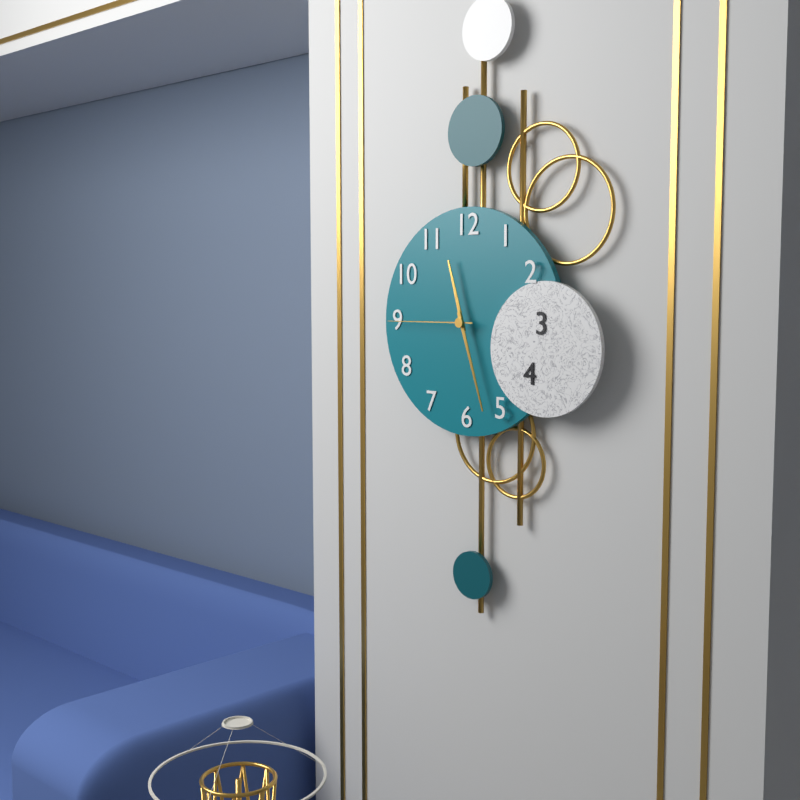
**11:27:45**
